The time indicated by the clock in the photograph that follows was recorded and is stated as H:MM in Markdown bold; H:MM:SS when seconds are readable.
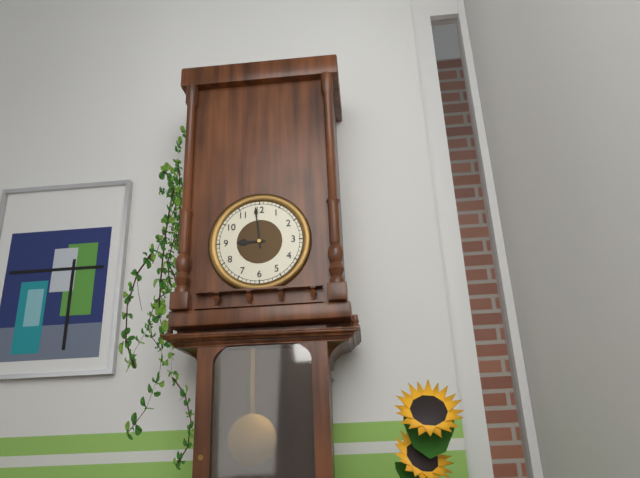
**8:59**
